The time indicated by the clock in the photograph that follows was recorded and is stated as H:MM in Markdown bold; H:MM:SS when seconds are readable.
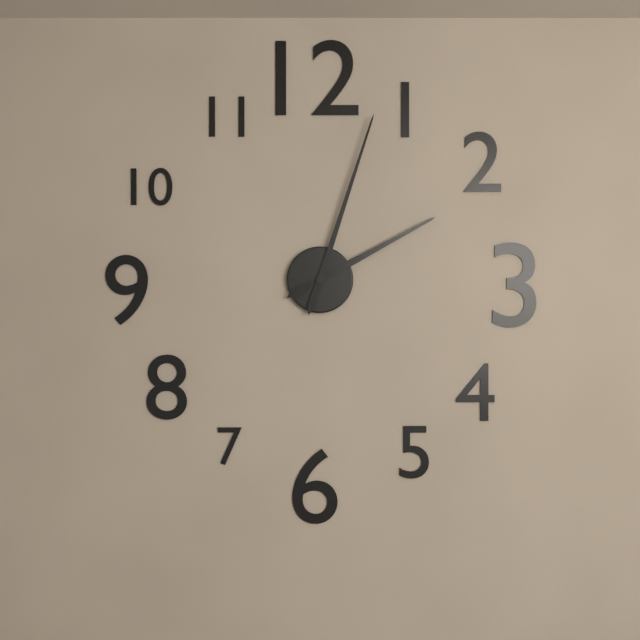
**2:03**
